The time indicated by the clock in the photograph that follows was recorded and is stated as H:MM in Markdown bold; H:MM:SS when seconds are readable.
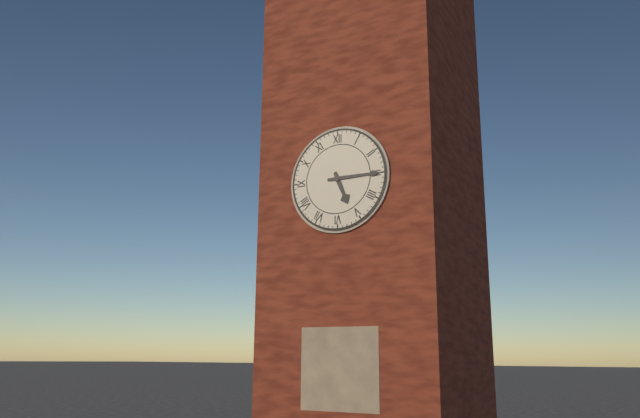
**5:15**
